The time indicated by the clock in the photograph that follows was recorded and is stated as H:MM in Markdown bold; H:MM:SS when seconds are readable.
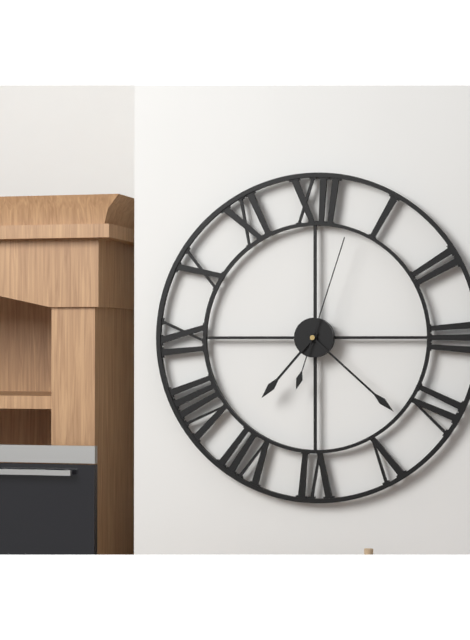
**7:22:03**
